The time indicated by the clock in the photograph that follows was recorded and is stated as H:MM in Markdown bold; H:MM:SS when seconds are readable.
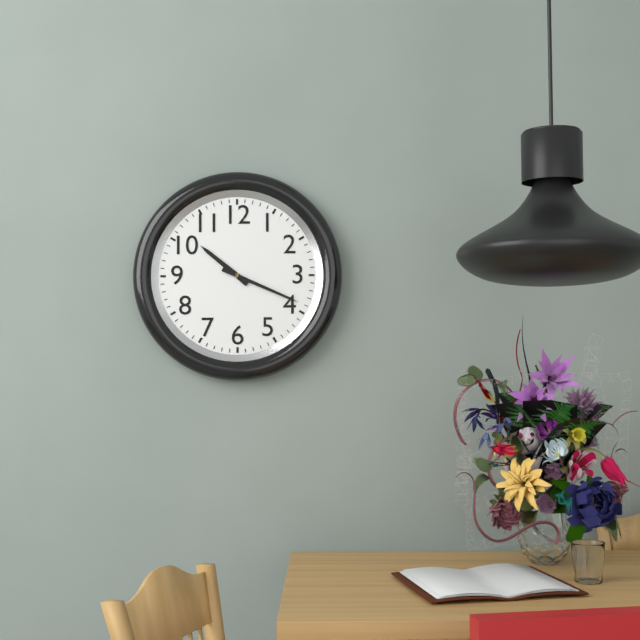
**10:19**
